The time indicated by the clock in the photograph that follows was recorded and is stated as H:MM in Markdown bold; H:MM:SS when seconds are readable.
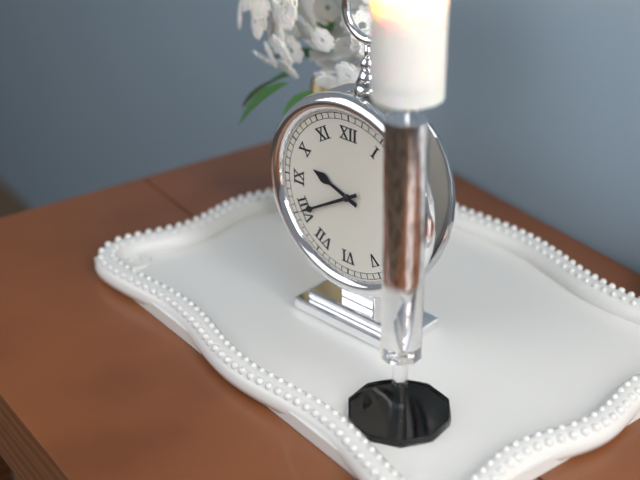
**9:40**
